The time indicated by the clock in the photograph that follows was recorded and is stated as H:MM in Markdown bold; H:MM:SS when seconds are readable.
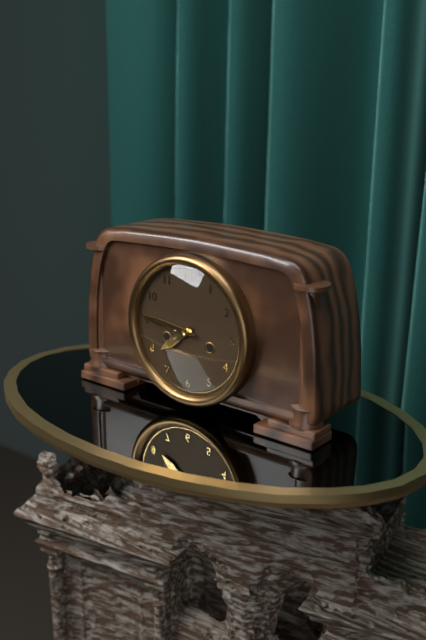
**7:46**
